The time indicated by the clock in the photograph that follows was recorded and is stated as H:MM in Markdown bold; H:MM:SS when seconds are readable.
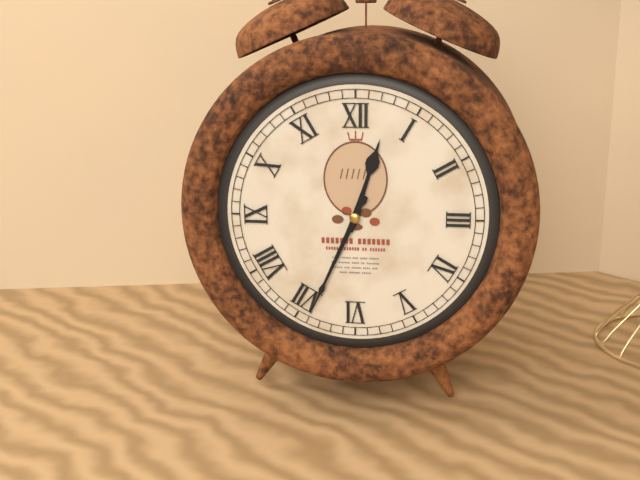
**12:34**
